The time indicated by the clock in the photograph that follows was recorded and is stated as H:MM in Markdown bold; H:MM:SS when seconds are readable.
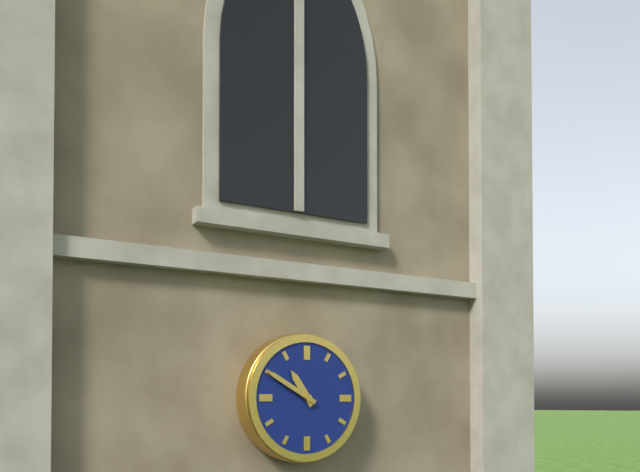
**10:50**
